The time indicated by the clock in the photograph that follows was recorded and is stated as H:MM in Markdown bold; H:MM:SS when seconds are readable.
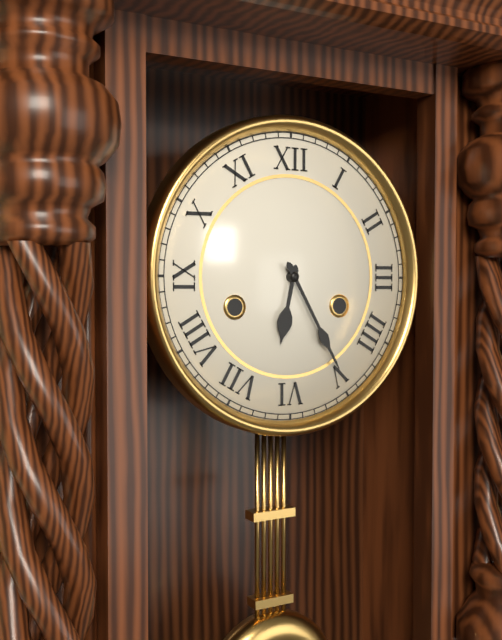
**6:25**
